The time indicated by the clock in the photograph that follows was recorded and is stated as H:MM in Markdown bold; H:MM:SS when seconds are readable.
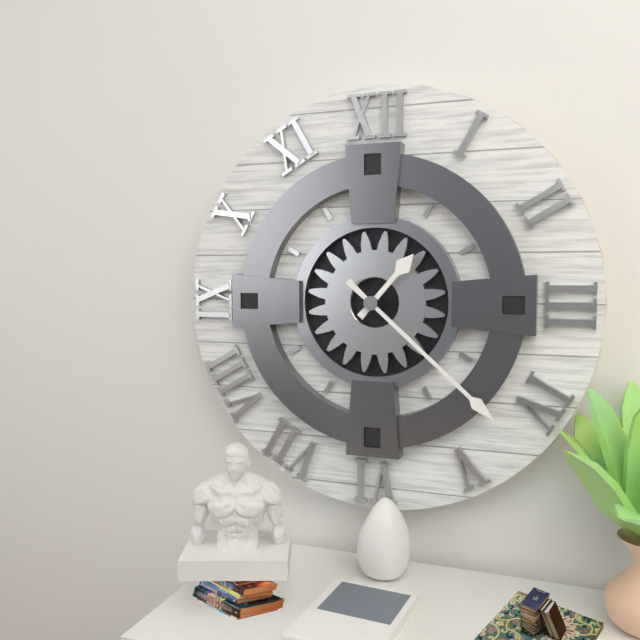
**1:22**
